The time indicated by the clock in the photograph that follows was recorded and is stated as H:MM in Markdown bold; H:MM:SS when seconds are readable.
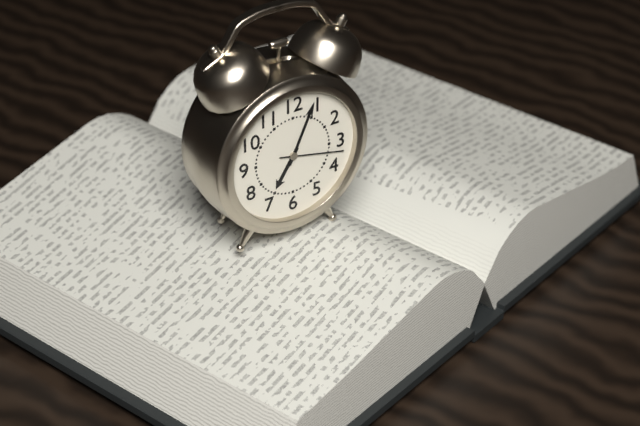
**7:04:17**
